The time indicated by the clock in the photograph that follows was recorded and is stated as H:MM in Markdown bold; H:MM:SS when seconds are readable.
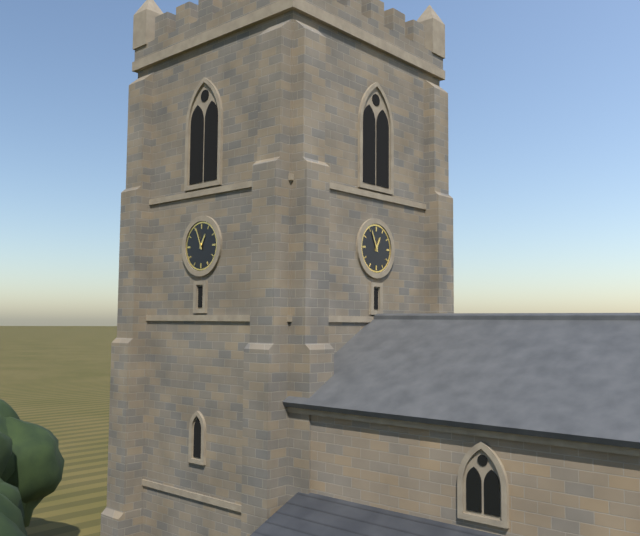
**12:56**
